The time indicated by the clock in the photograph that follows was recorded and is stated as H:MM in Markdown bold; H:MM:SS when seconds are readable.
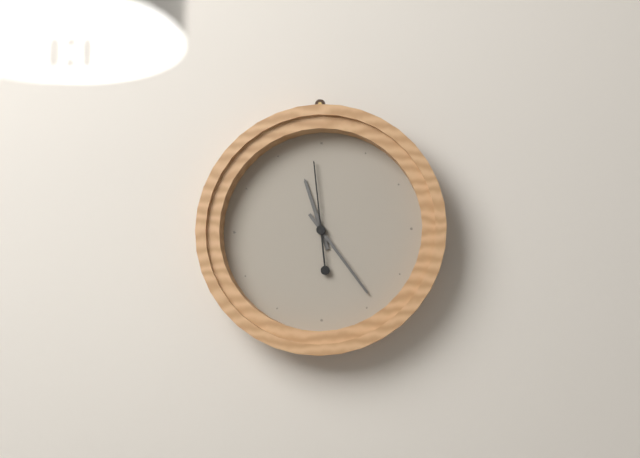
**11:24:59**
